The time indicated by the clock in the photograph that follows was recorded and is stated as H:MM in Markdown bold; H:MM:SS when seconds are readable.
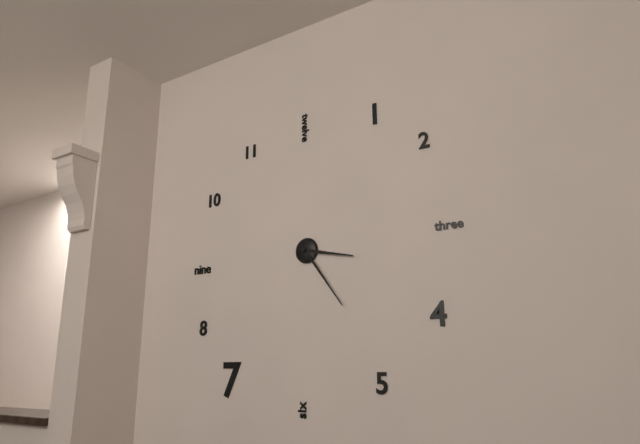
**3:24**
